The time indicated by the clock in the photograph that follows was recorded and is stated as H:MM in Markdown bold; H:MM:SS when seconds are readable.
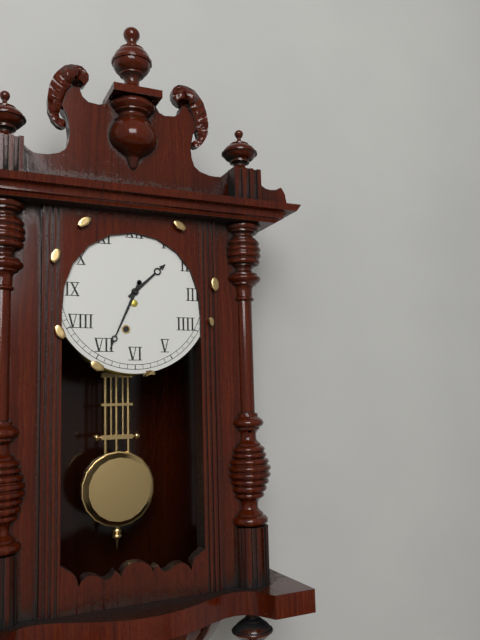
**1:34**
